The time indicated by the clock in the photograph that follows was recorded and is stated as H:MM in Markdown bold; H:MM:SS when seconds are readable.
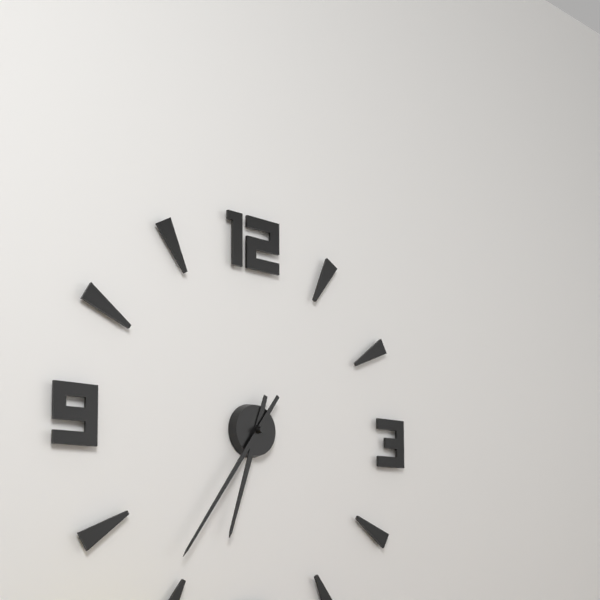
**6:36**
